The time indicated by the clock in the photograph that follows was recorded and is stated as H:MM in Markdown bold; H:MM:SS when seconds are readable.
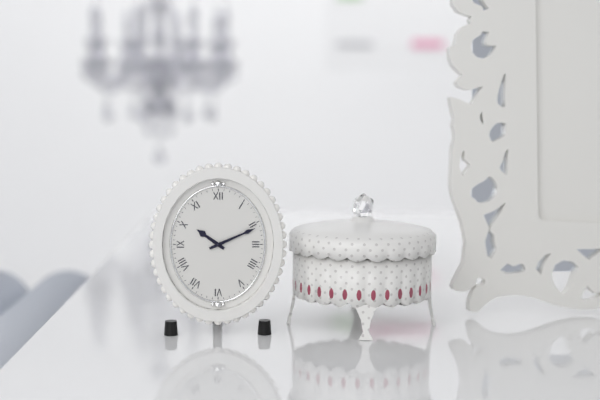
**10:11**
